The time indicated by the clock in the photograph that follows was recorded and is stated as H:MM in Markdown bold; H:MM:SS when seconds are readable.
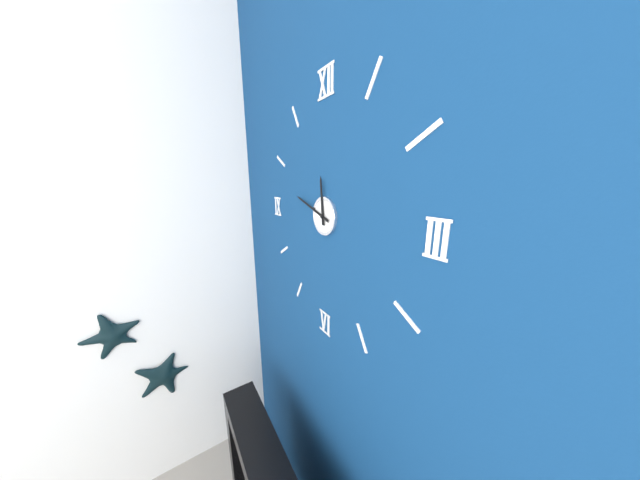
**11:48**
